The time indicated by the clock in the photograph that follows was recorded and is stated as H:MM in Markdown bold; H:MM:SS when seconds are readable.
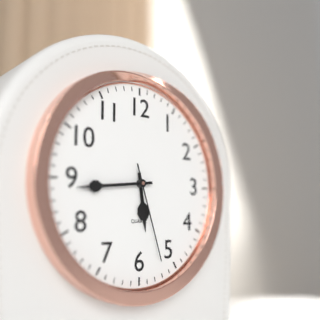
**5:44:27**
